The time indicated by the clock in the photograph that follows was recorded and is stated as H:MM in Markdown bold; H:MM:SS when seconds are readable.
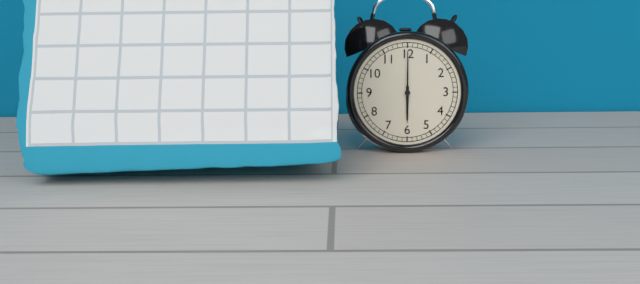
**6:00**
